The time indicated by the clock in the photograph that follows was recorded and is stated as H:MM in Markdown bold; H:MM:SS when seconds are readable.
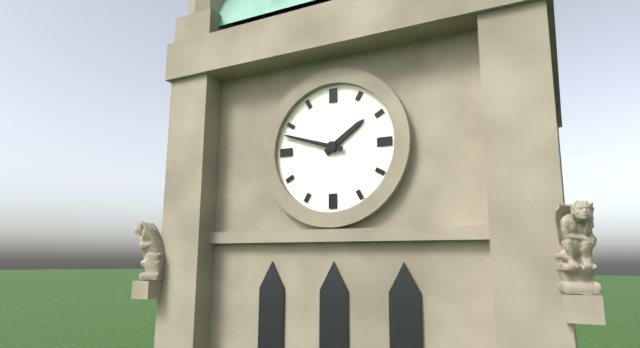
**1:48**
